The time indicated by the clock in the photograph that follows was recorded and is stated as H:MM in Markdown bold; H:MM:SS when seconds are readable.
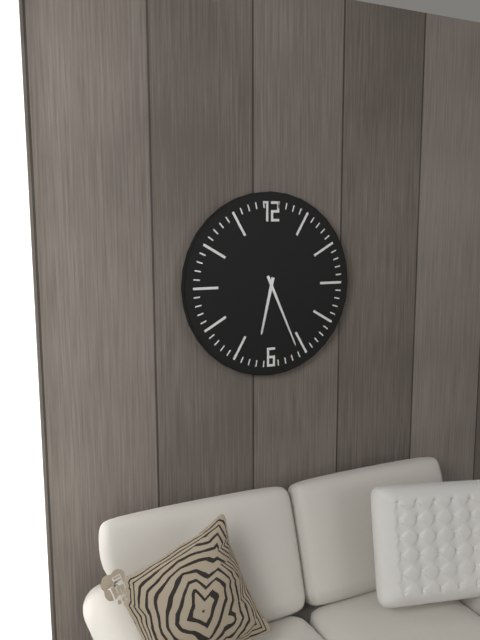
**6:26**
